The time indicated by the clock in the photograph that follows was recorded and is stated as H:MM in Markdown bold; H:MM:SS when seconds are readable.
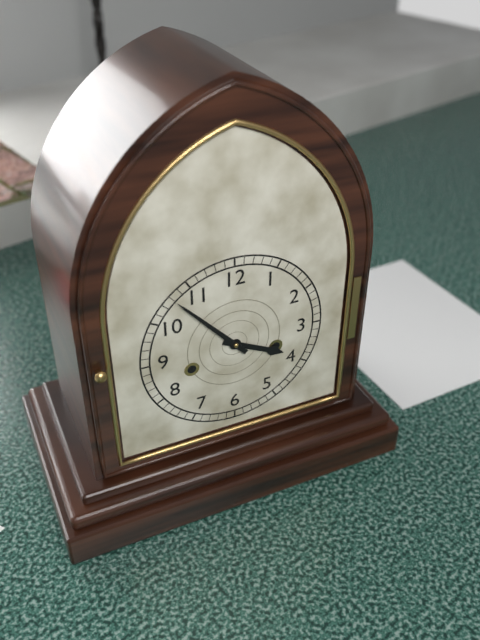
**3:53**
